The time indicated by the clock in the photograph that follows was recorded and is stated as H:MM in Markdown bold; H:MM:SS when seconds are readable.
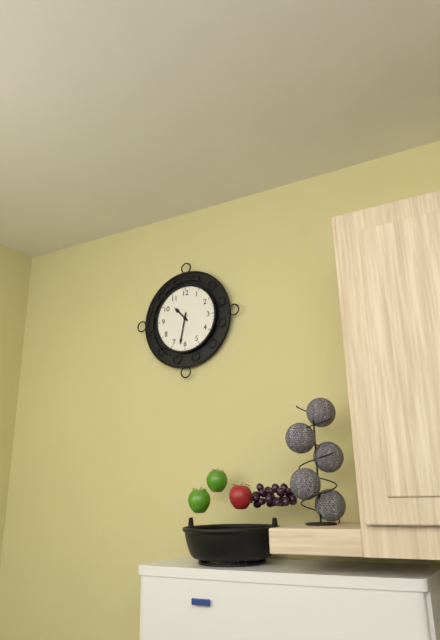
**10:32**
